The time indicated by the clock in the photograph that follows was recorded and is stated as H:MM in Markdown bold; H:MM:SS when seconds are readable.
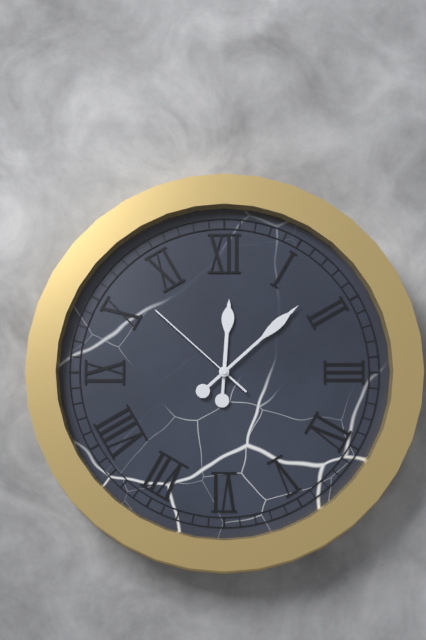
**12:08:52**
